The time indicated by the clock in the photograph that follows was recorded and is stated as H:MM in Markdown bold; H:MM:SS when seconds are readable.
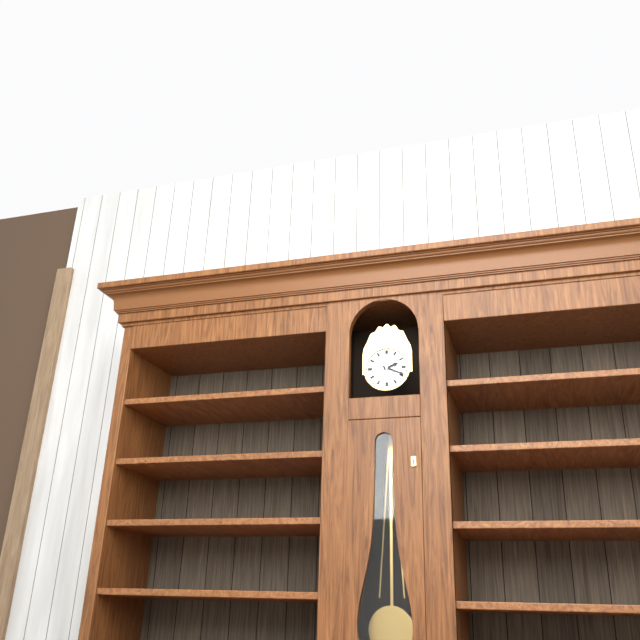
**2:19**
